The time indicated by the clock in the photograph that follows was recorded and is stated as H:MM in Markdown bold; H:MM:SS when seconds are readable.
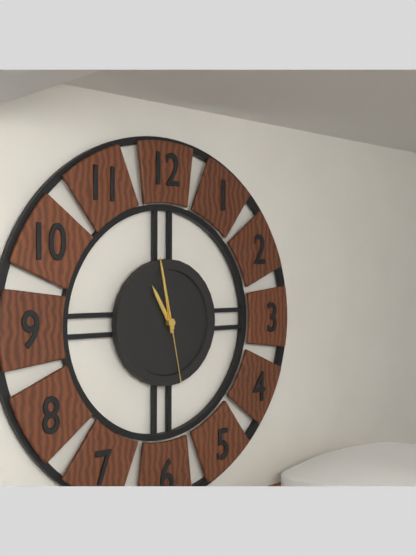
**10:58:28**
